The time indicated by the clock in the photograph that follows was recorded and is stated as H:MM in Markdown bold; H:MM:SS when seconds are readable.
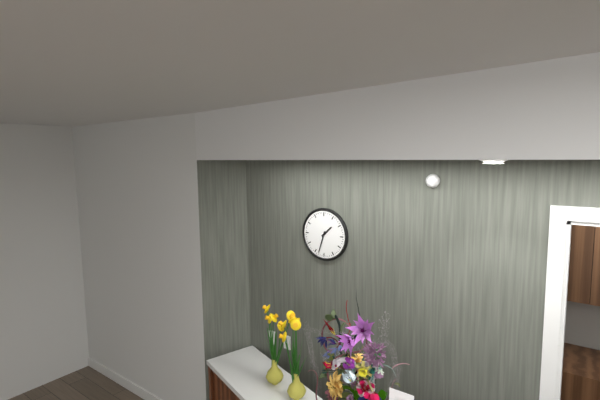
**1:33**
